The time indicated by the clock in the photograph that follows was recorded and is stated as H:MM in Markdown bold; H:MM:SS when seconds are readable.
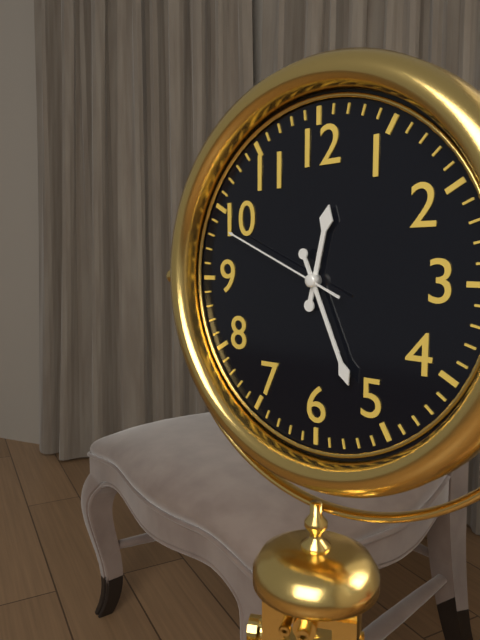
**12:26:49**
